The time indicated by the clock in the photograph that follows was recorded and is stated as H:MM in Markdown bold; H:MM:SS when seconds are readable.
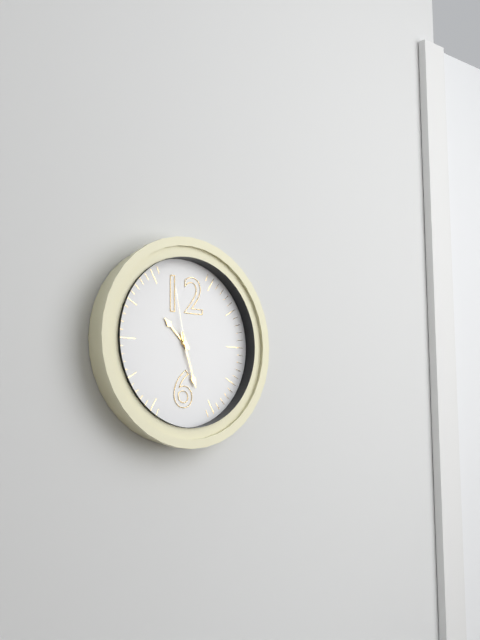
**10:27:58**
